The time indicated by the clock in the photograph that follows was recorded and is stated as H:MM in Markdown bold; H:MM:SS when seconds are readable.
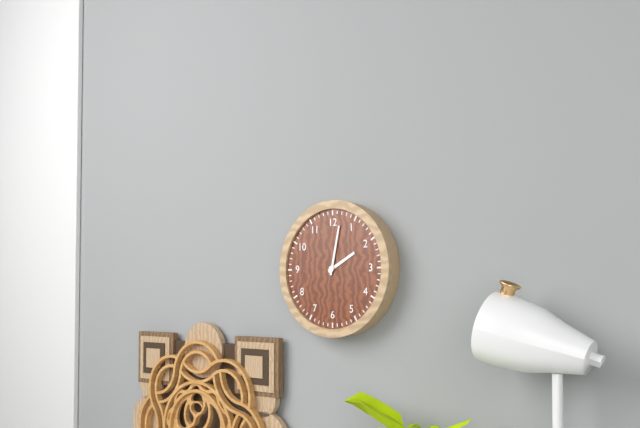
**2:02**
